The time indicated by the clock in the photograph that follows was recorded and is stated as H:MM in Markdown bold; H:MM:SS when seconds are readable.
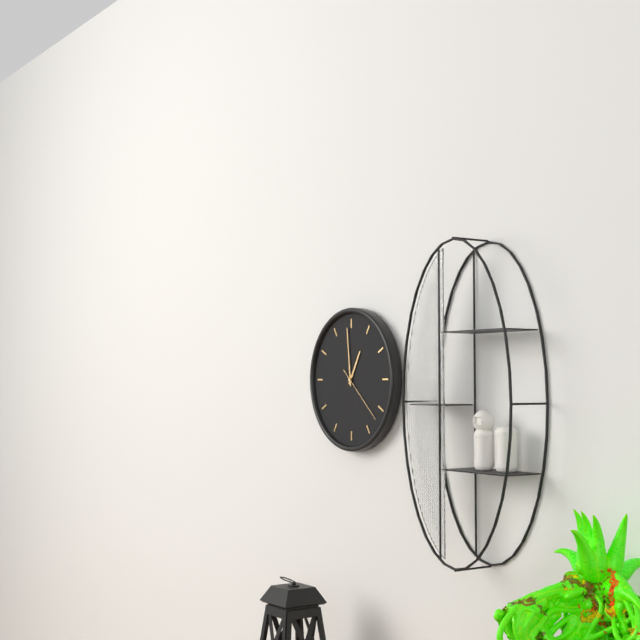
**12:59:22**
